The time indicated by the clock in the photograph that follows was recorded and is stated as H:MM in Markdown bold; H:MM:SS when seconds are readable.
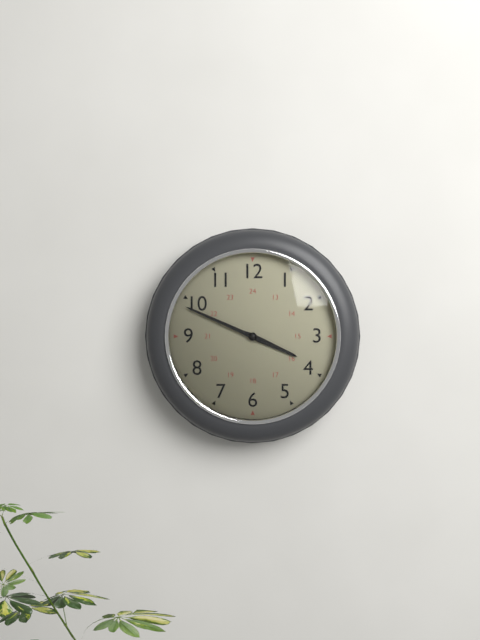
**3:49**
